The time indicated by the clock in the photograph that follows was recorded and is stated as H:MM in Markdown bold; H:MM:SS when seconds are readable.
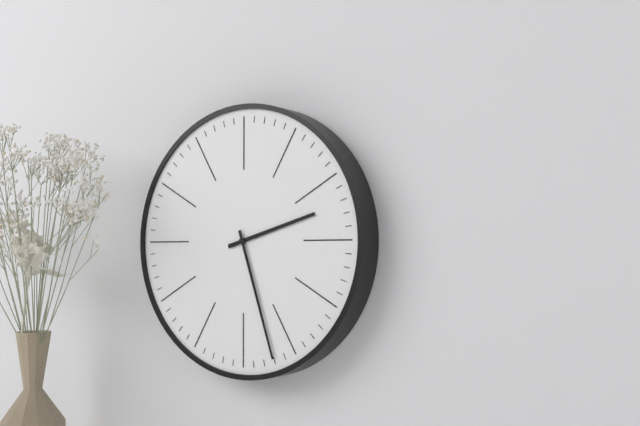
**2:27**
